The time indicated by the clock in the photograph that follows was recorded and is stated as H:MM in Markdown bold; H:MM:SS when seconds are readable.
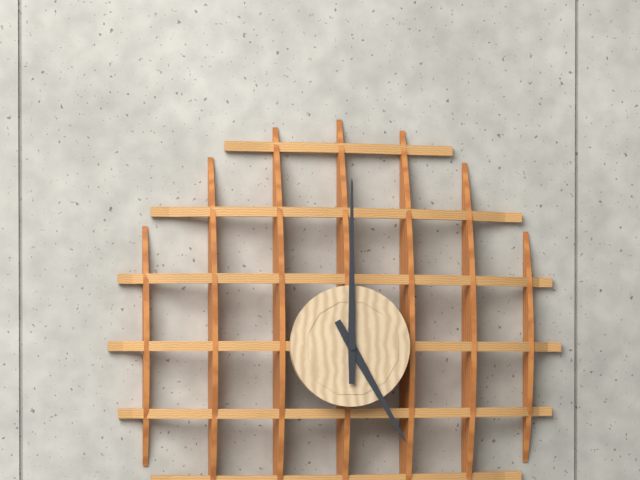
**5:00**
